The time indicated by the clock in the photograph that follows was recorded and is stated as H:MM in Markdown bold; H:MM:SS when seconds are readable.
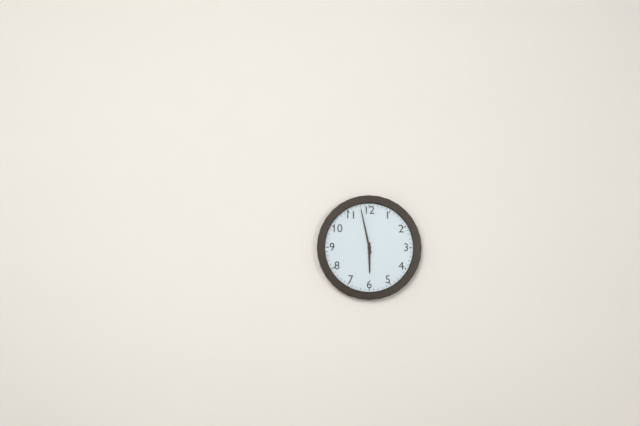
**5:58**
